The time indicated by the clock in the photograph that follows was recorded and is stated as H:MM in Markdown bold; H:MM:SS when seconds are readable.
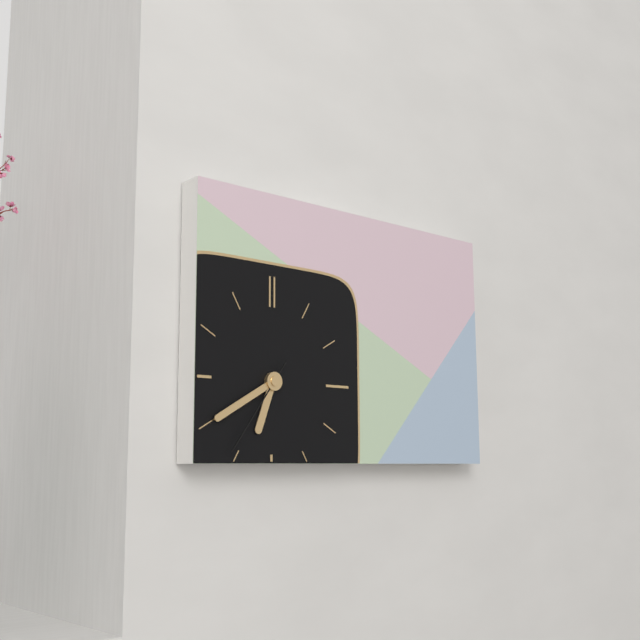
**6:40:36**
